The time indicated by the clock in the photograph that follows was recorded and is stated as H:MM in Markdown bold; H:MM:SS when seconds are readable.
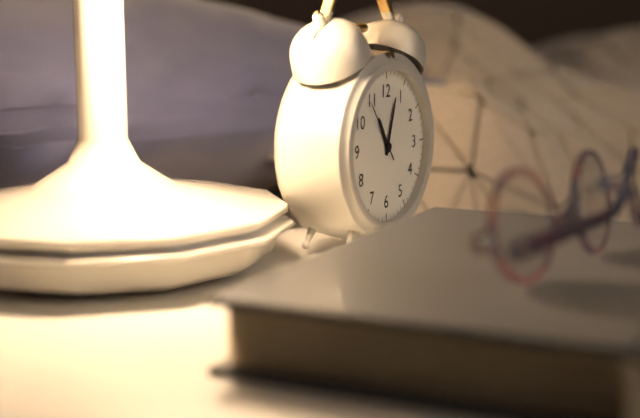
**11:03:54**
